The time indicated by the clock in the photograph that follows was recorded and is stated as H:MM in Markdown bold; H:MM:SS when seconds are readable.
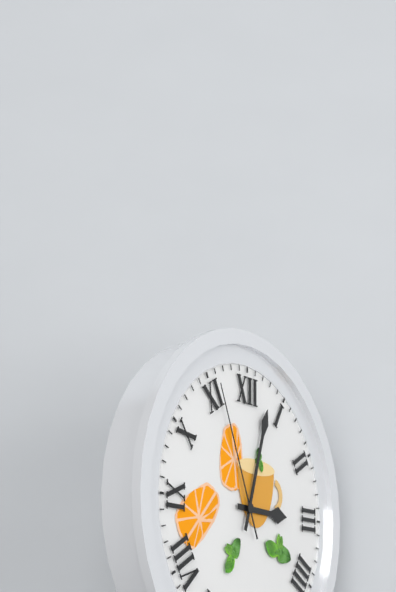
**3:03:56**
